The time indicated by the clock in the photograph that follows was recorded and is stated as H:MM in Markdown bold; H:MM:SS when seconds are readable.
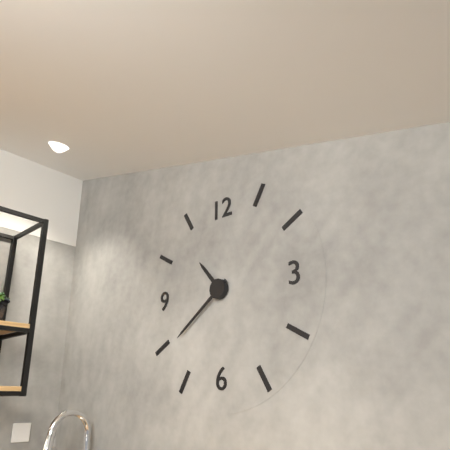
**10:39**
